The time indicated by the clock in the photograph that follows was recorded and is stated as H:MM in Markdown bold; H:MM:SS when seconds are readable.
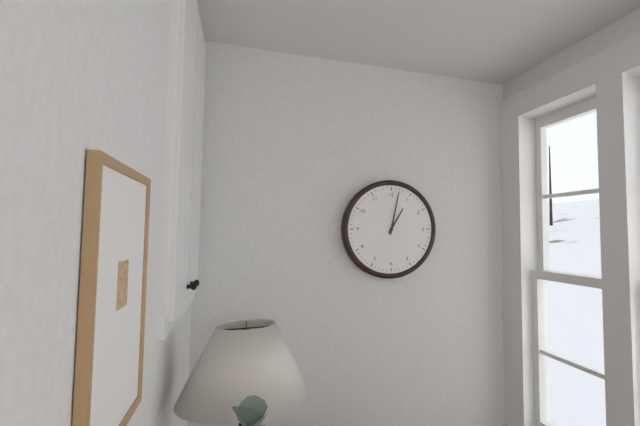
**1:02**
